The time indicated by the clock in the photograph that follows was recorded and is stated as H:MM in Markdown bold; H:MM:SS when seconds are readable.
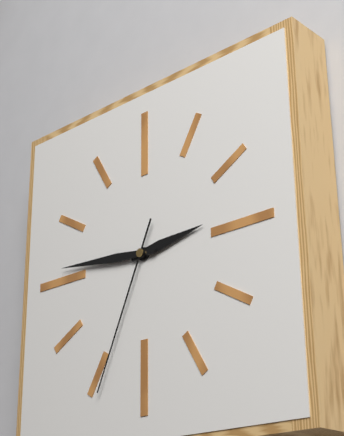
**2:46:34**
